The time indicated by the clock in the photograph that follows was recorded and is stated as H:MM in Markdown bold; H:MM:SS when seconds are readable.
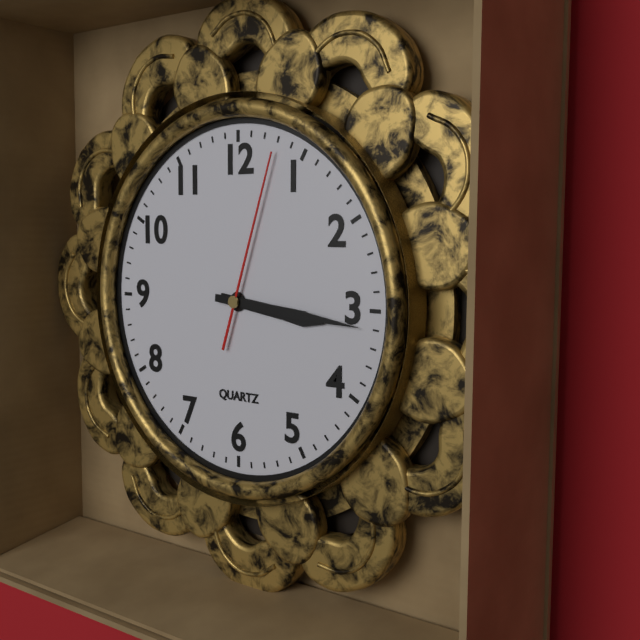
**3:16:03**
